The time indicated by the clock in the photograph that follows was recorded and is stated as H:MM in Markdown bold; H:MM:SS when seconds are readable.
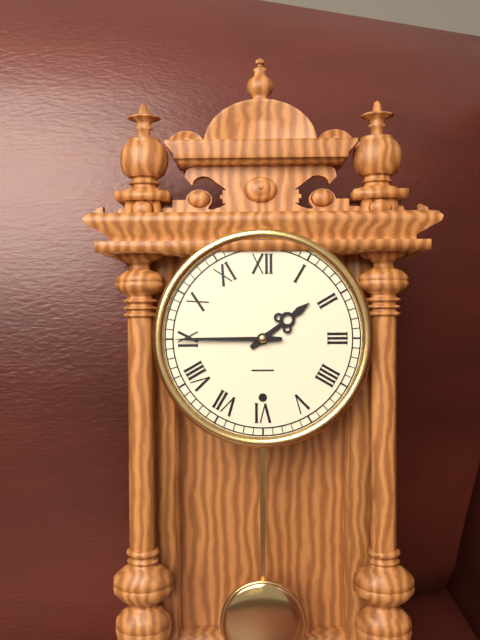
**1:45**
